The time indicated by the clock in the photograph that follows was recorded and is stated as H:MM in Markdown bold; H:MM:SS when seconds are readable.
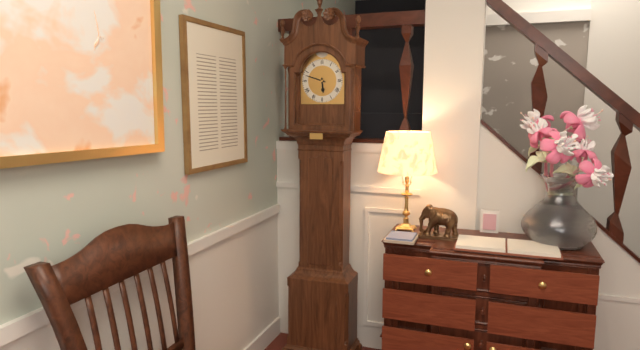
**5:48**
